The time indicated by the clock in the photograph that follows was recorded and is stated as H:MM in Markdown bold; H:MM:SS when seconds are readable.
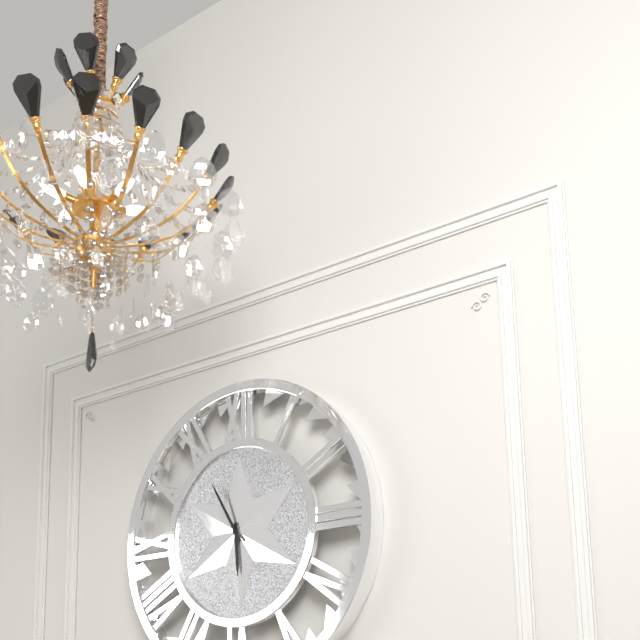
**5:55**
